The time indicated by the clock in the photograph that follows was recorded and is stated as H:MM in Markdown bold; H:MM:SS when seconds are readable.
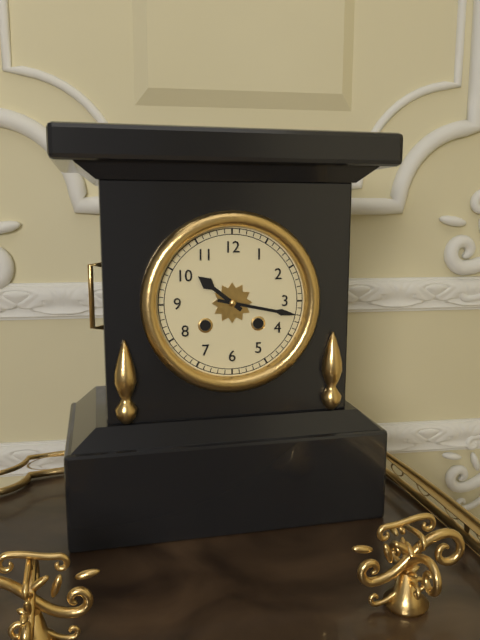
**10:17**
